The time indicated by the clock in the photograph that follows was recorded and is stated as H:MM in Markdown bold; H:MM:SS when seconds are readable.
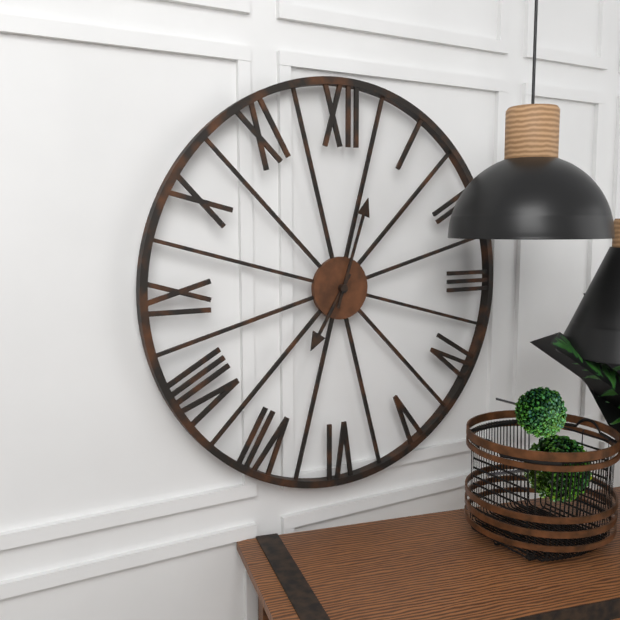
**7:03**
